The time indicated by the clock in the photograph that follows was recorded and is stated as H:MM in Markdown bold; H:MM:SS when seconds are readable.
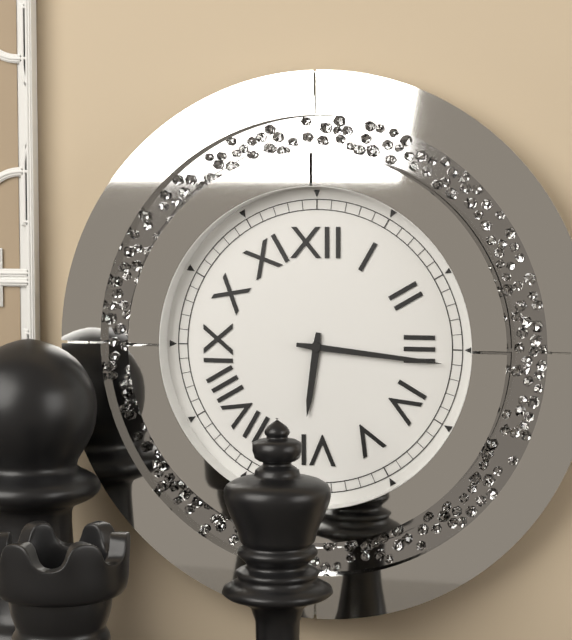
**6:16**
